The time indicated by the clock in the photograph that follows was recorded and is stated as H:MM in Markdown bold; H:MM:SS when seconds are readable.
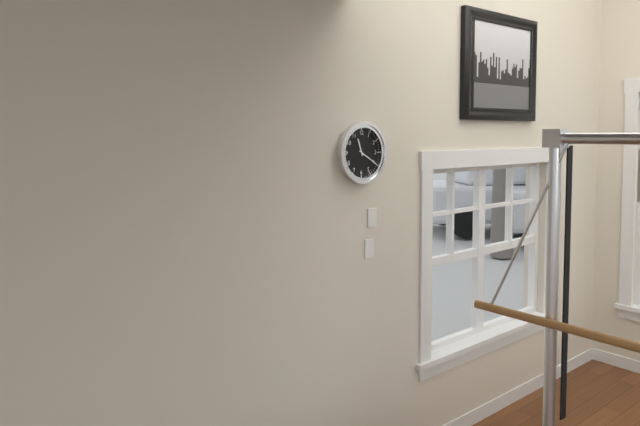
**11:20**
